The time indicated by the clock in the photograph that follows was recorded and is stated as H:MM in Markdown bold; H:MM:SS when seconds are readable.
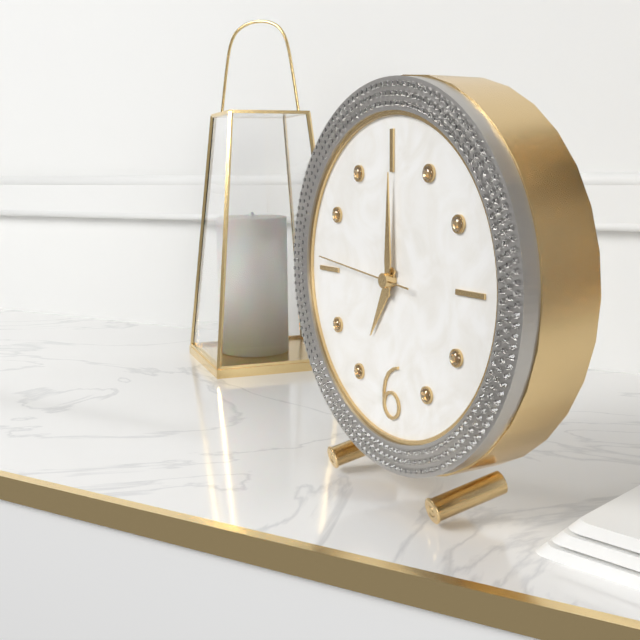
**7:00:46**
